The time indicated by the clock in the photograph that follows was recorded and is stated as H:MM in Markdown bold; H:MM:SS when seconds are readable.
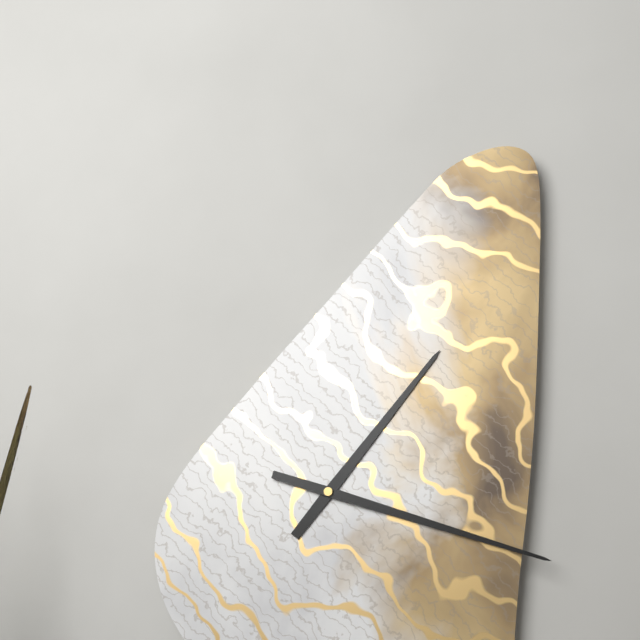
**1:18**
